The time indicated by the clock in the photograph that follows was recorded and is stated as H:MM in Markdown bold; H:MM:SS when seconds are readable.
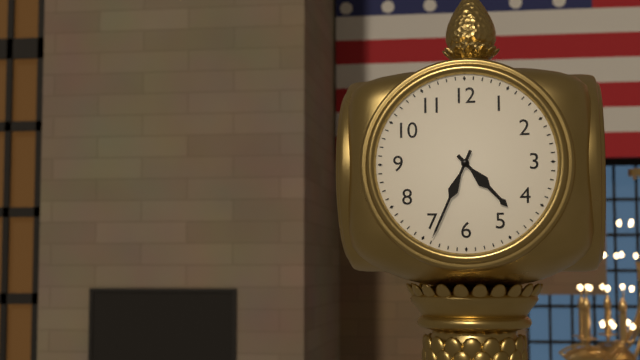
**4:34**
